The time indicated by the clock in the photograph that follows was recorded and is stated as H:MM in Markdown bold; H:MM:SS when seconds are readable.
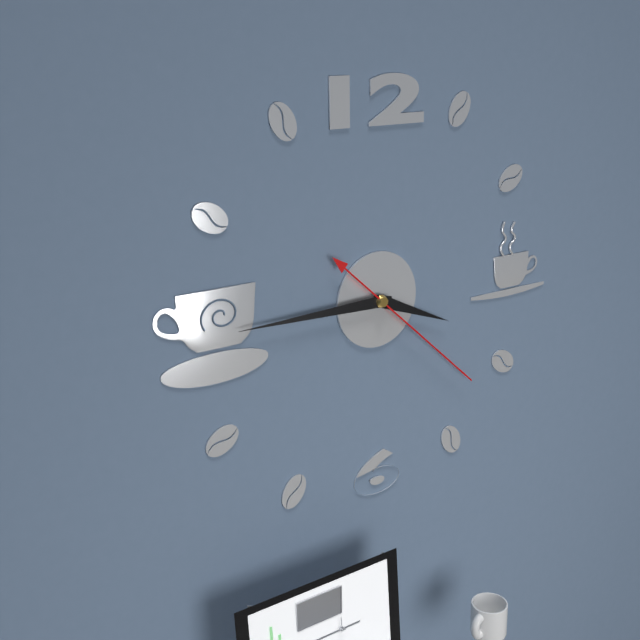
**3:45:22**
